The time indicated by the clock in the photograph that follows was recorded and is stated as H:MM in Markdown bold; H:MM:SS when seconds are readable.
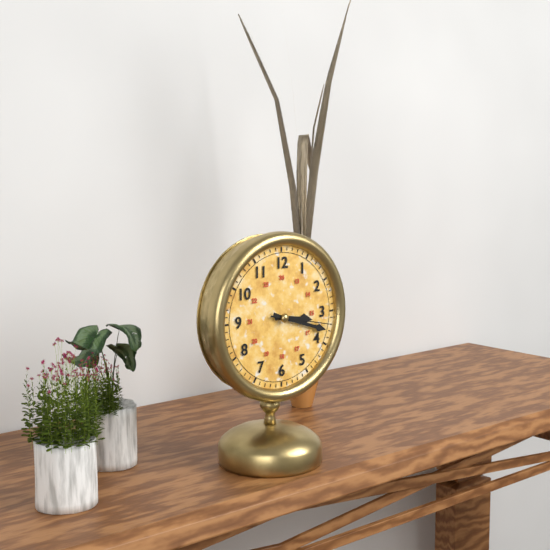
**3:18:17**
